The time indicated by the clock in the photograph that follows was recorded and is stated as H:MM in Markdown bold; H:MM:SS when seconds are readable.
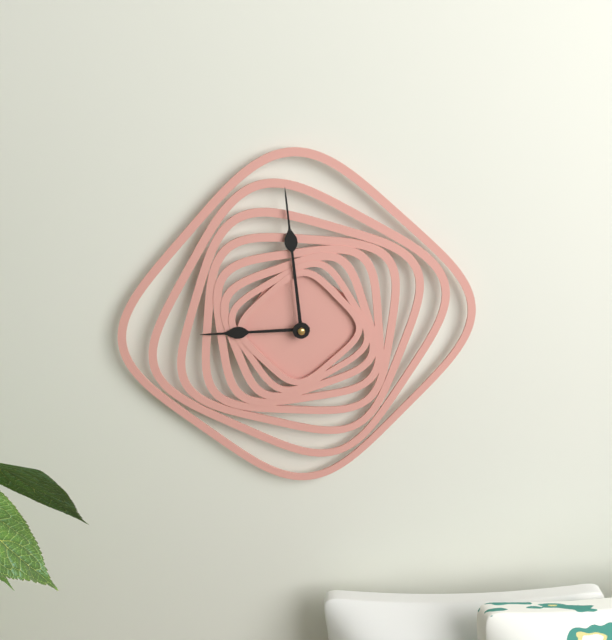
**8:59**
